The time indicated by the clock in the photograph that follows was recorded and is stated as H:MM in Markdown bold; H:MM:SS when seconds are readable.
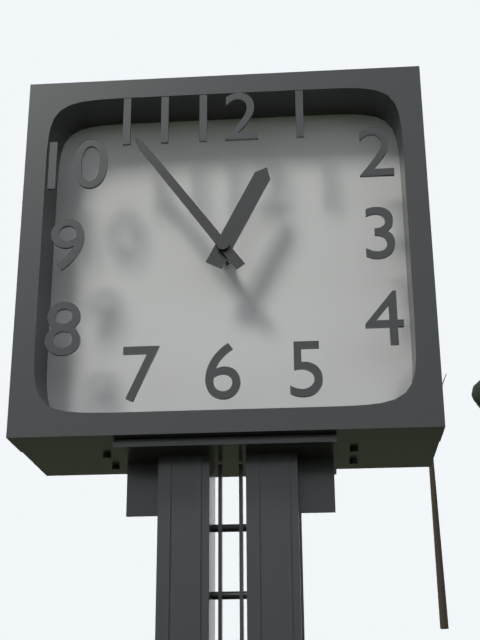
**12:54**
